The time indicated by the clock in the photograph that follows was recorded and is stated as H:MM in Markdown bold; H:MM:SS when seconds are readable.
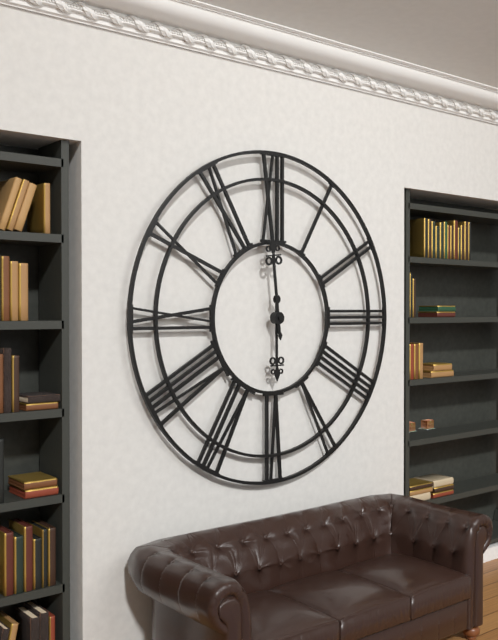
**5:59**
